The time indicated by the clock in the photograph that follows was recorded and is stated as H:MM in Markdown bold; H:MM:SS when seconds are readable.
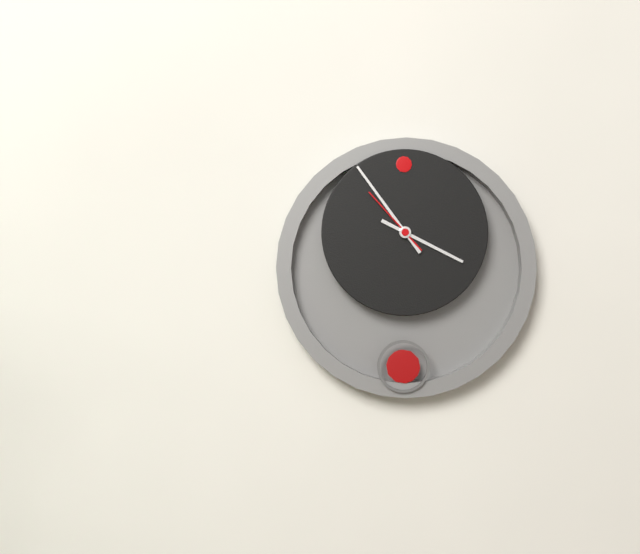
**3:54:53**
